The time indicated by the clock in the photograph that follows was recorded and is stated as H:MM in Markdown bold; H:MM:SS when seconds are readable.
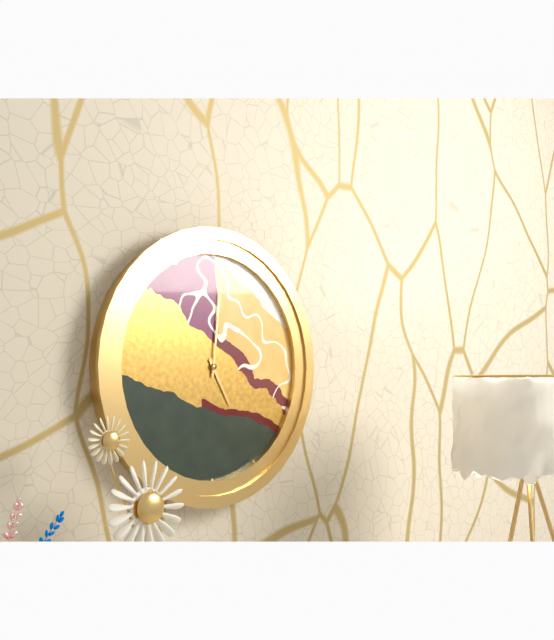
**5:01**
